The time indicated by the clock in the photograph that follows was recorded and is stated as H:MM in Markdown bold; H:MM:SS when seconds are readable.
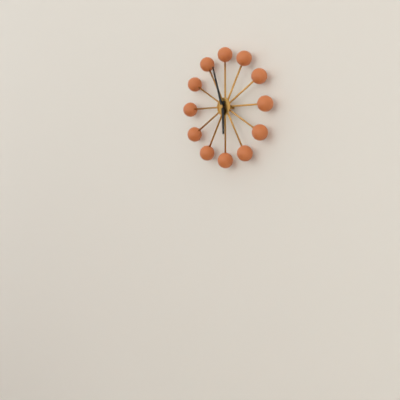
**5:57**
